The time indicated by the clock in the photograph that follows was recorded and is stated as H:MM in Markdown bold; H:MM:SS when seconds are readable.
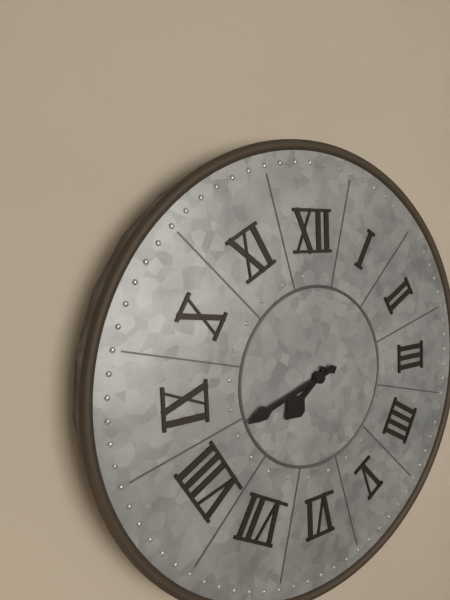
**7:42**
